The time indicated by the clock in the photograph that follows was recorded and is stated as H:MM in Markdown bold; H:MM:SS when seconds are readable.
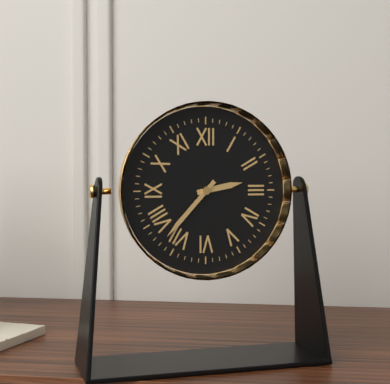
**2:37**
